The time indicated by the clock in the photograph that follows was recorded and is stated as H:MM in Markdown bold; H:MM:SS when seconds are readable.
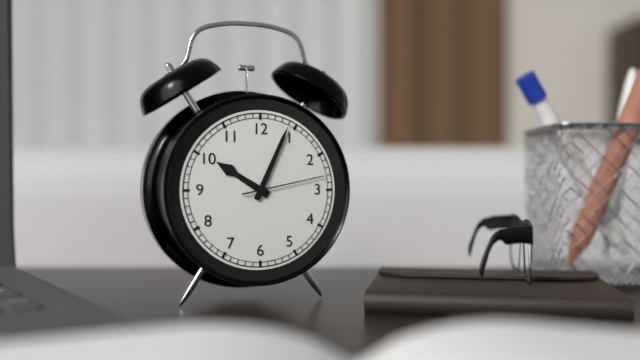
**10:04:13**
